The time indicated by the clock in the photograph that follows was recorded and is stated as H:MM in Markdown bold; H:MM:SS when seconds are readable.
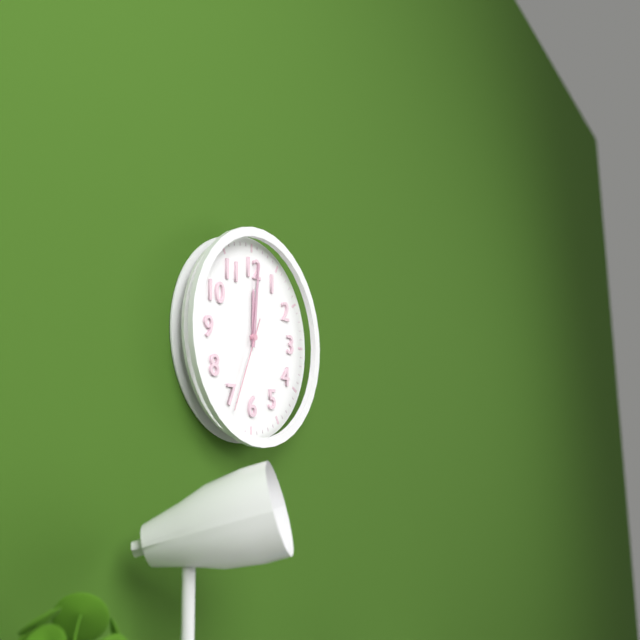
**12:01:34**
